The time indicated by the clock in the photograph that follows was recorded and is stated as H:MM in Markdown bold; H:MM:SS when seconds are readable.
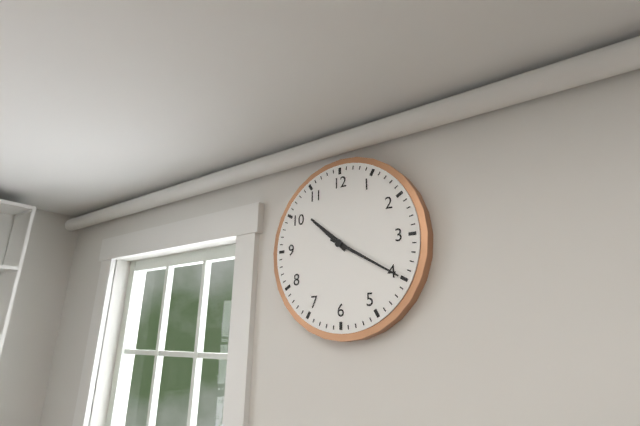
**10:20**
